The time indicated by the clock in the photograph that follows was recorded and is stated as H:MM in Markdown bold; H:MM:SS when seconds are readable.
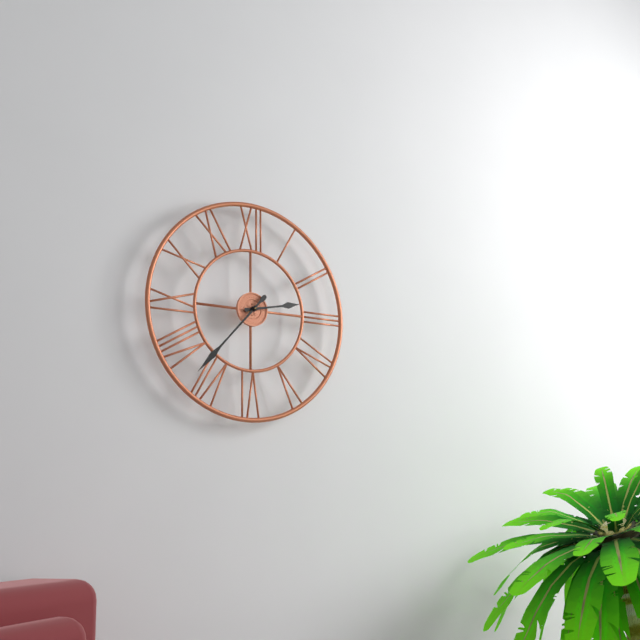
**2:37**
